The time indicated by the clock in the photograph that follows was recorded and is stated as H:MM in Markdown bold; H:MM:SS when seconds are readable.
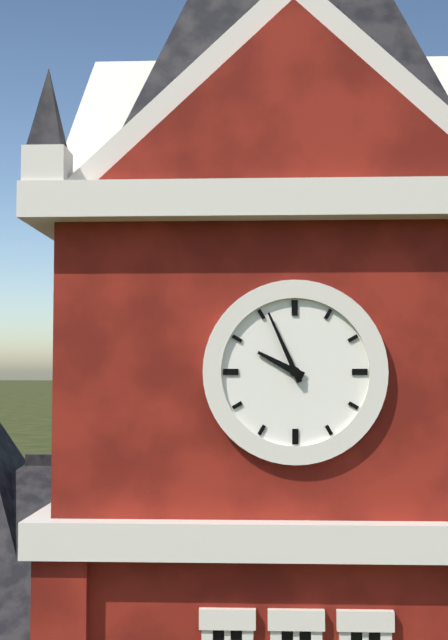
**9:56**
